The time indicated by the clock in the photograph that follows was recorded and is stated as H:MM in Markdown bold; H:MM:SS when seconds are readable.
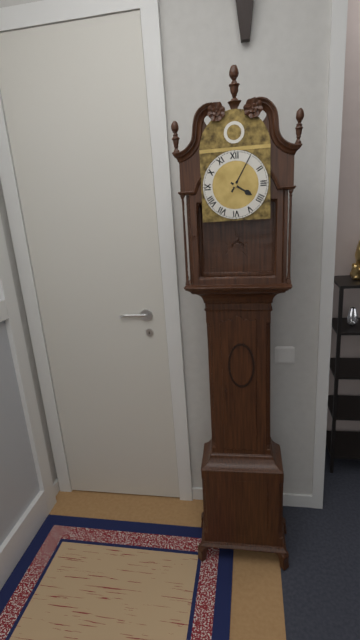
**4:05**
